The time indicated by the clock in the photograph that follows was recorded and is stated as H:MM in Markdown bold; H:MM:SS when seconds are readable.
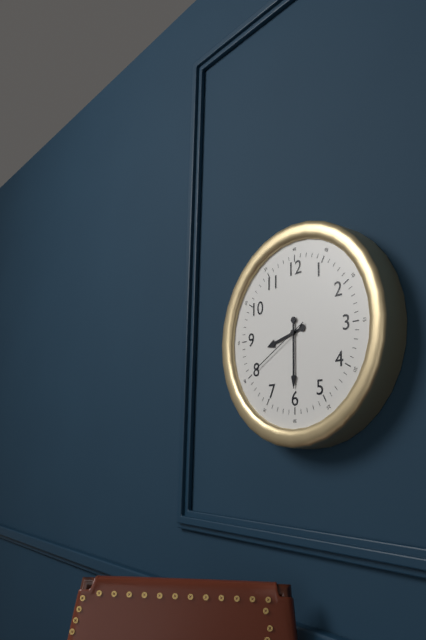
**8:30:40**
